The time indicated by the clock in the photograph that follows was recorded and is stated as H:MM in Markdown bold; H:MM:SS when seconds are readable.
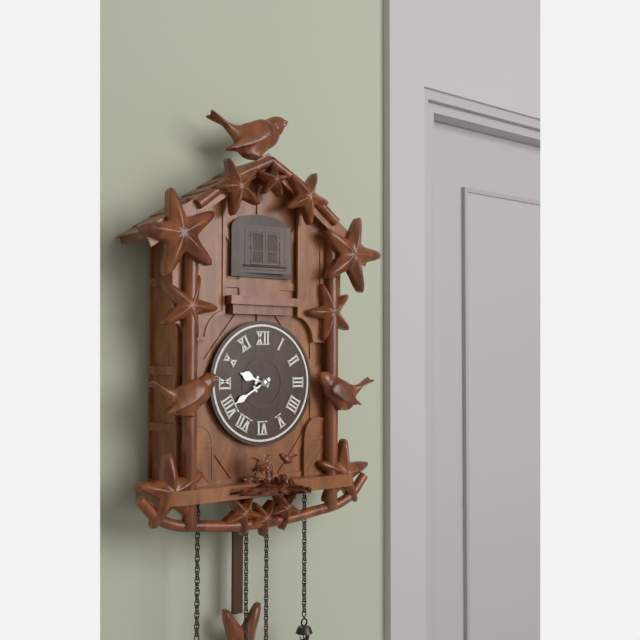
**9:40**
